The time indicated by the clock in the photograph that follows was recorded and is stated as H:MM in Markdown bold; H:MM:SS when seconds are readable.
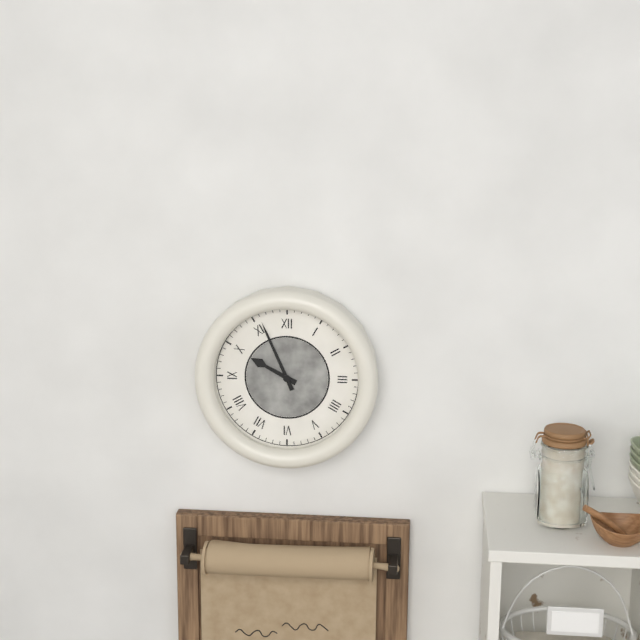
**9:56**
